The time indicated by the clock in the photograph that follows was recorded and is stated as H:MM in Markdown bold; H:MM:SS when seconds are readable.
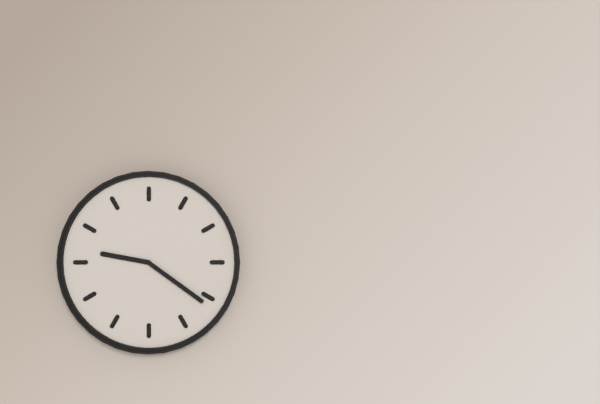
**9:21**
